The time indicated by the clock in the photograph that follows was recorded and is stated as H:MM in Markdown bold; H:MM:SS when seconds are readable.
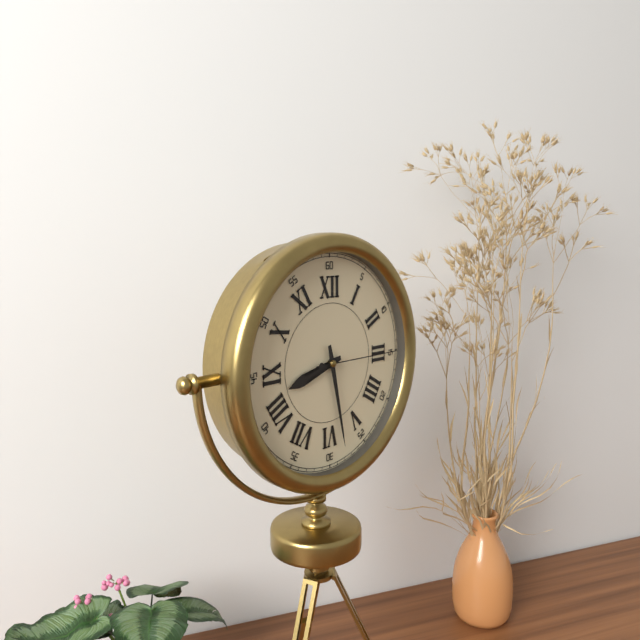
**8:28:15**
